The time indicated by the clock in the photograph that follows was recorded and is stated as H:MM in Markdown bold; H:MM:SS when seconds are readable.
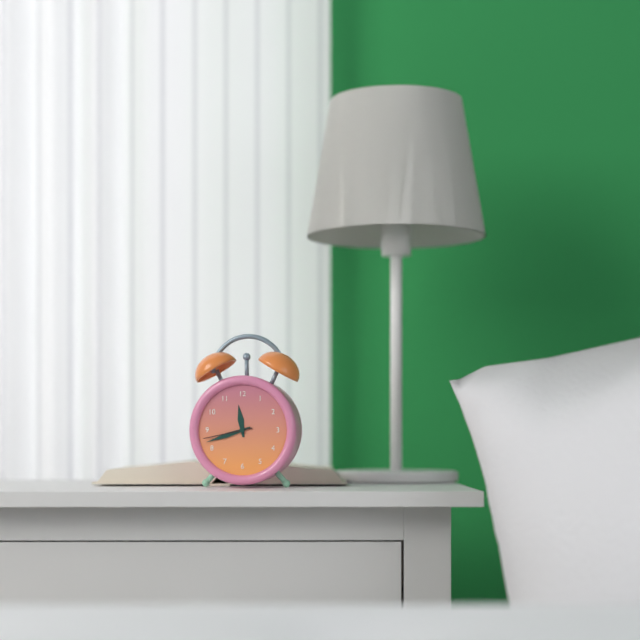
**11:42:43**
